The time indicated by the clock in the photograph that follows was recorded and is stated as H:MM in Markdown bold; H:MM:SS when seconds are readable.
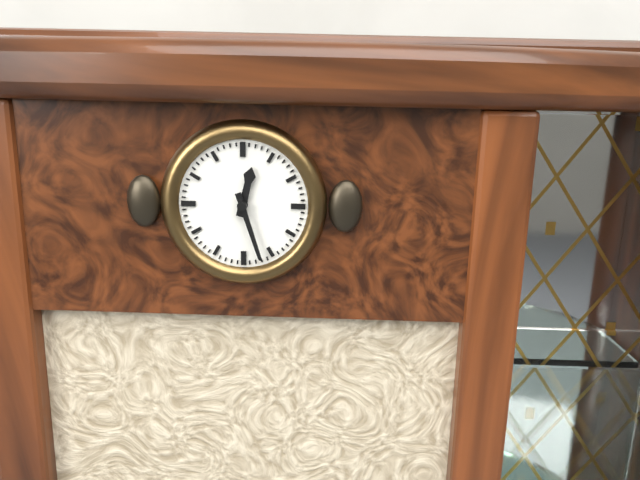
**12:27**
